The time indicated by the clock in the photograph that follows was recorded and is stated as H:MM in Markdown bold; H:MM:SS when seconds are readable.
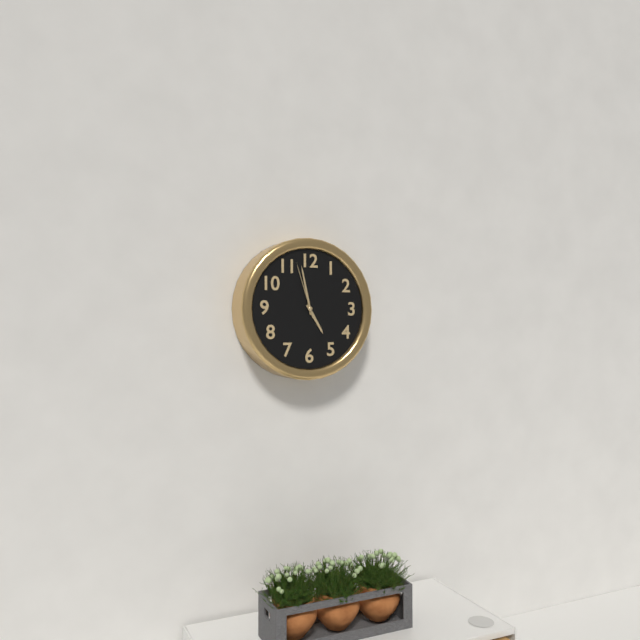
**4:58:57**
